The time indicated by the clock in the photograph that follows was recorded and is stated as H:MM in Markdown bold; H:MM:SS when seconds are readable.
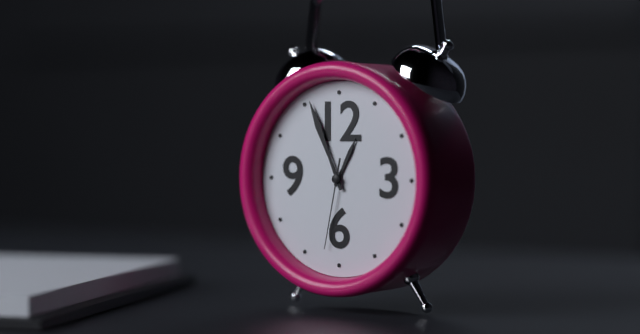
**12:56:32**
